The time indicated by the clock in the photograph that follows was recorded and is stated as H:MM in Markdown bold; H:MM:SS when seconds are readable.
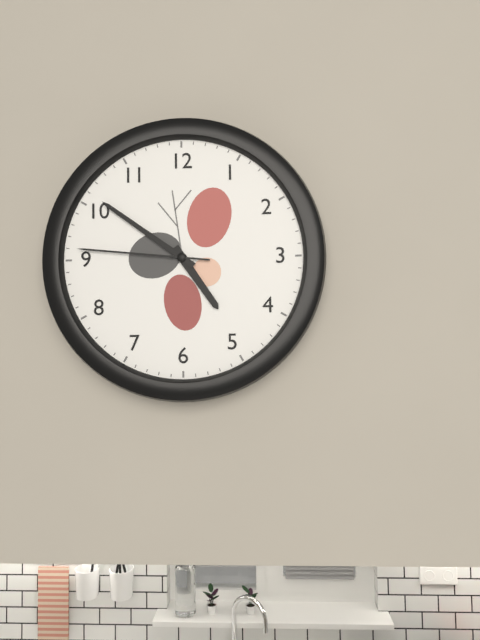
**4:51:46**
